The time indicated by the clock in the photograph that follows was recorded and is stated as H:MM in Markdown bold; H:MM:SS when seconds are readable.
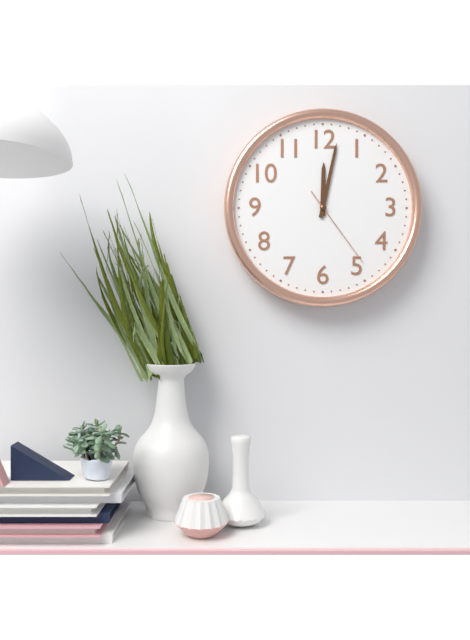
**12:02:24**
